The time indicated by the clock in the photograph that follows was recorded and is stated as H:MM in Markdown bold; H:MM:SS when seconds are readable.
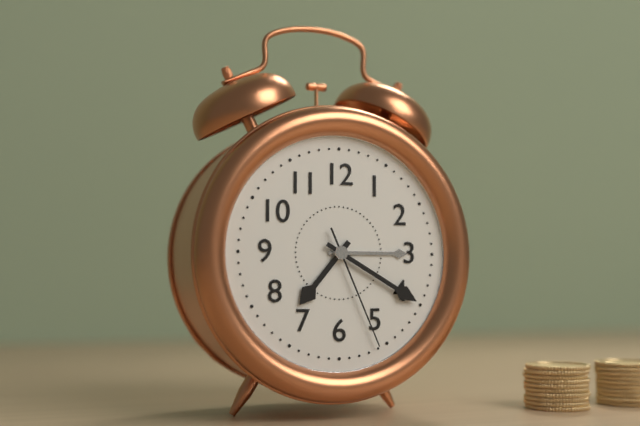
**7:20:26**
